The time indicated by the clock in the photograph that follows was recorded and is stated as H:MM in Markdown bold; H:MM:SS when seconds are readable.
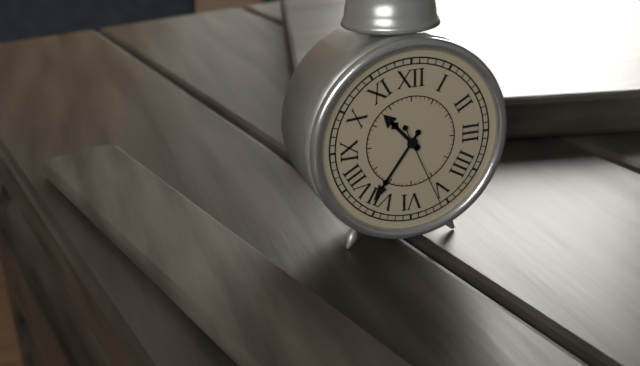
**10:36:26**
